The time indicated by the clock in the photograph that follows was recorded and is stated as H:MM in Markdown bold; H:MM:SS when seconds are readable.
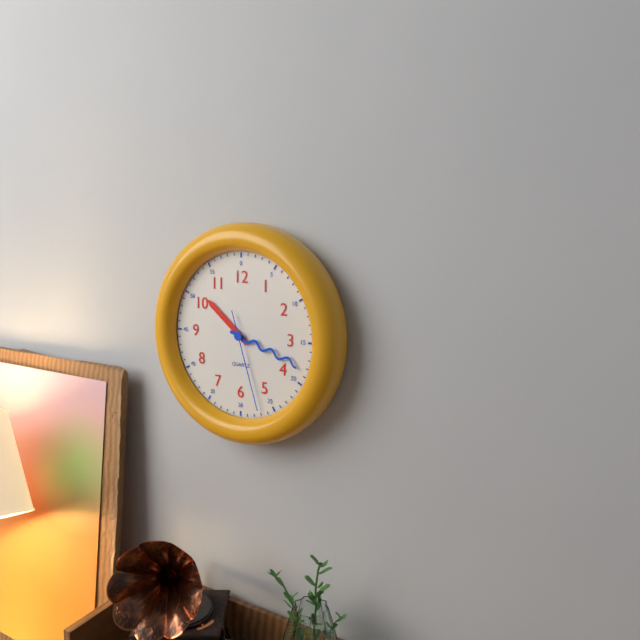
**10:18:27**
